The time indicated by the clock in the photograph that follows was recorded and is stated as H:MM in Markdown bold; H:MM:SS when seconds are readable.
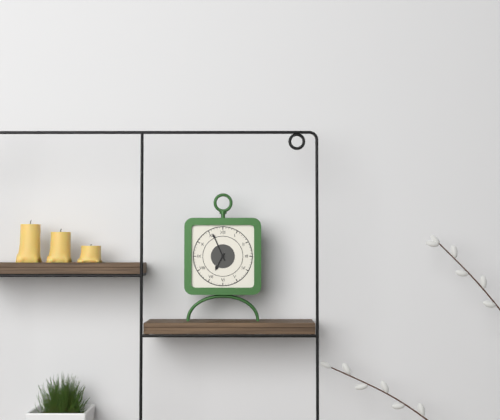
**6:56**
